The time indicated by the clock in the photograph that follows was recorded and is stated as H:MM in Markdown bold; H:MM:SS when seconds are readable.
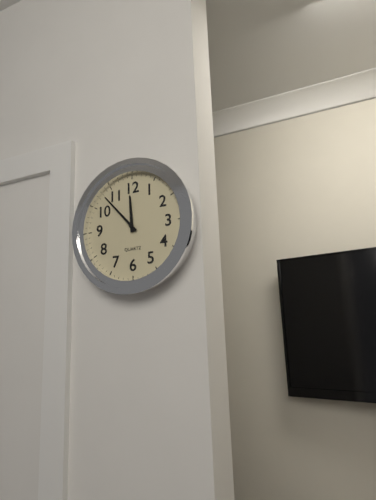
**11:53**
